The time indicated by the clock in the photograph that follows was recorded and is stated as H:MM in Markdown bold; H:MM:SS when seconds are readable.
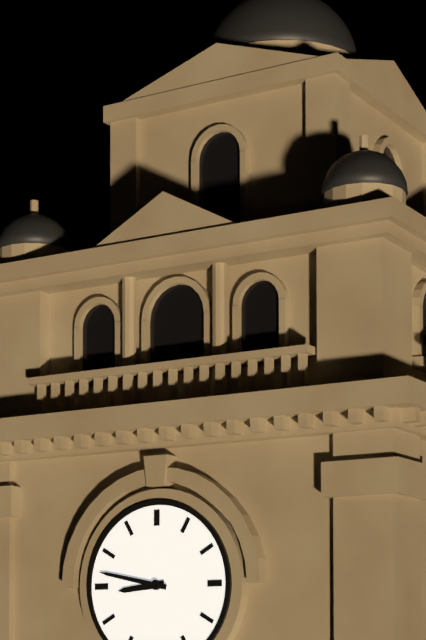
**8:47**
